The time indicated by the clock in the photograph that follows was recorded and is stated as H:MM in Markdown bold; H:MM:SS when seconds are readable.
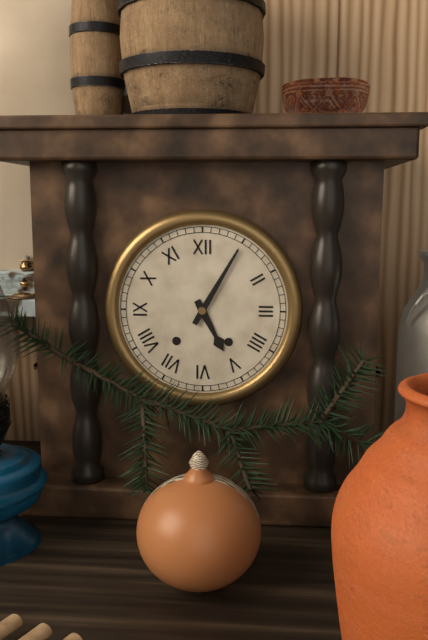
**5:05**
